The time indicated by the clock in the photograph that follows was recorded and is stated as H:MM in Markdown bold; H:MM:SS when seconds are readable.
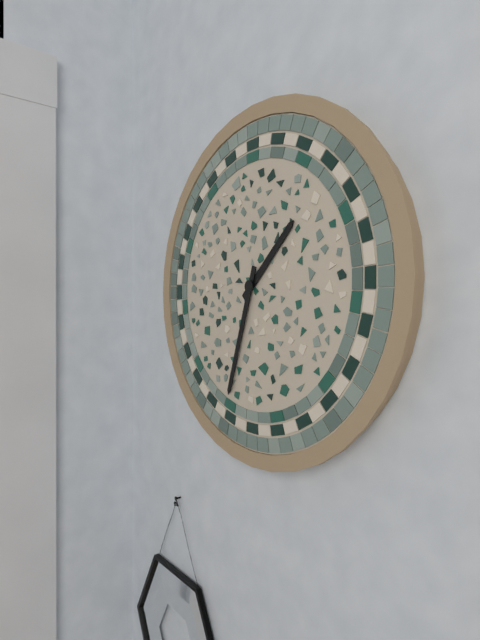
**1:33**
